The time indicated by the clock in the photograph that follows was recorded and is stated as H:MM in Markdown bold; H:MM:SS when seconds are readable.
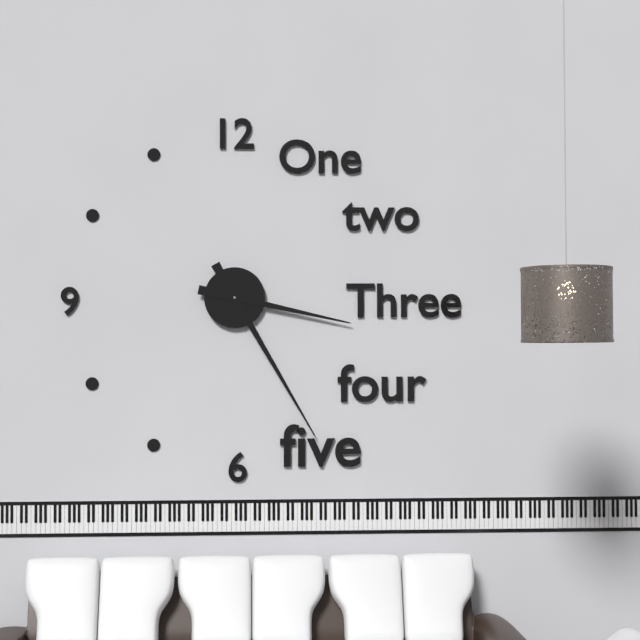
**3:25**
